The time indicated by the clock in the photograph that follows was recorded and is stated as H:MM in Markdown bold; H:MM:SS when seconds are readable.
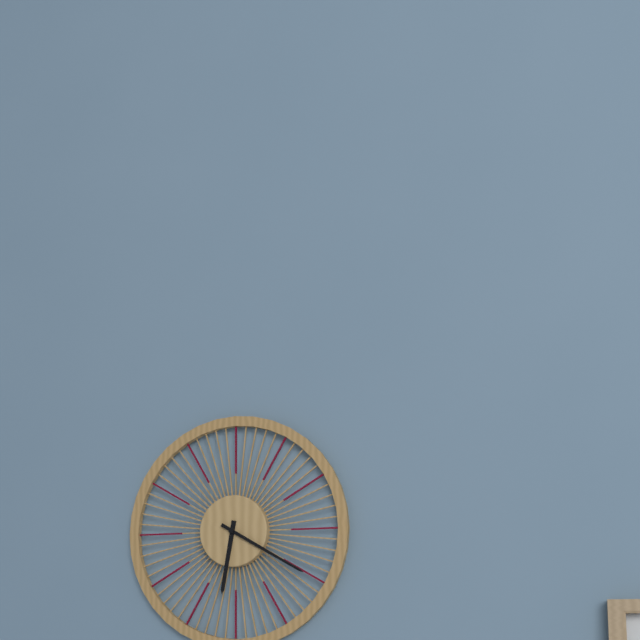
**6:20**
